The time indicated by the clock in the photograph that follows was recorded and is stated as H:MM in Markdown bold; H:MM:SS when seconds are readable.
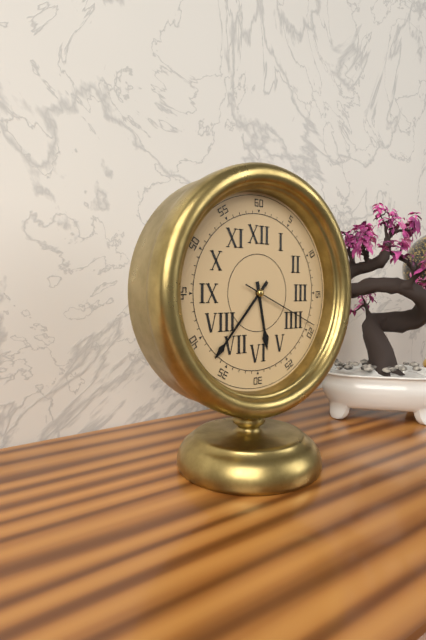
**5:37:19**
